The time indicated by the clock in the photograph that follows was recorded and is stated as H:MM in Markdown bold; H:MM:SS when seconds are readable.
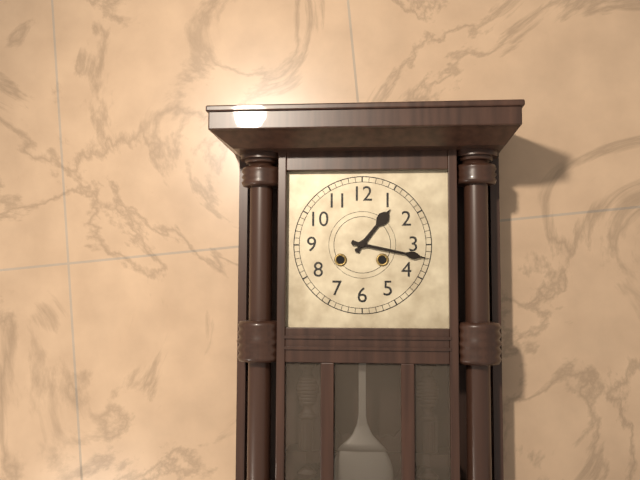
**1:17**
